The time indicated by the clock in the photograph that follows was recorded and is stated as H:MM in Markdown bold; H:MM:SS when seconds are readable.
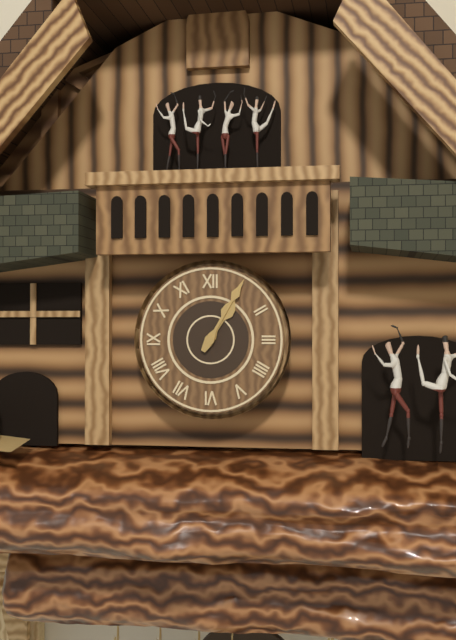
**1:05**
